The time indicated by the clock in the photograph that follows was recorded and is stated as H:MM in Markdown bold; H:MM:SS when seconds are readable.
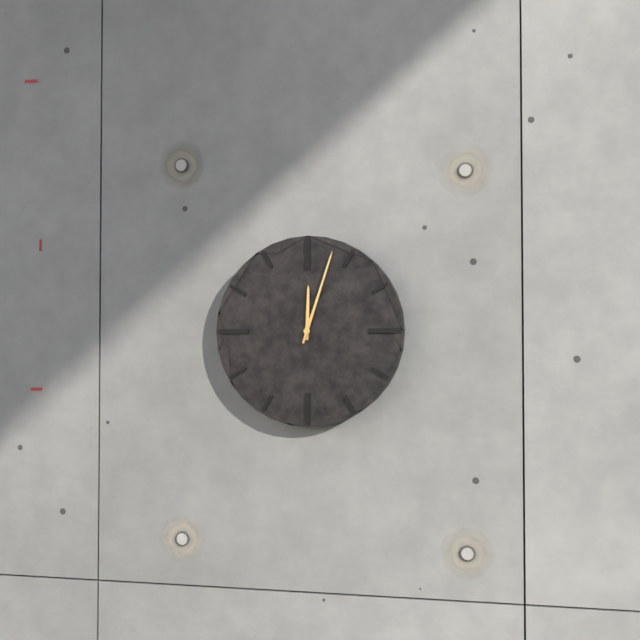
**12:03**
